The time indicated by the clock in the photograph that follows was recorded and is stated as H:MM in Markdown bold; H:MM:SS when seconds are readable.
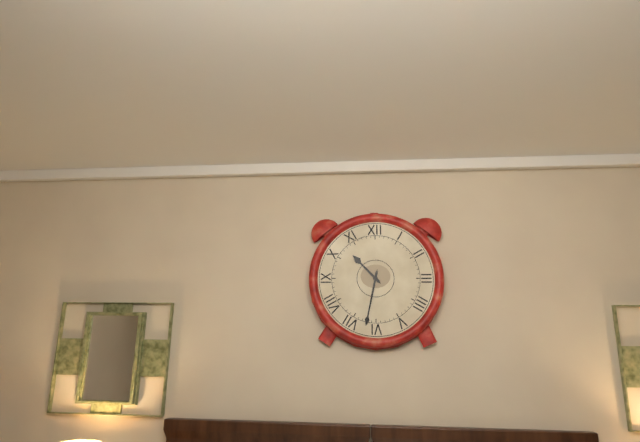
**10:32**
